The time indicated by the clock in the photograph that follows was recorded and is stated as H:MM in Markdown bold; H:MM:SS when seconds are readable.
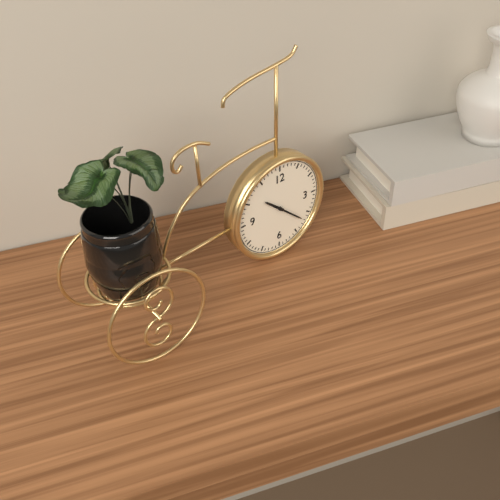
**10:22**
